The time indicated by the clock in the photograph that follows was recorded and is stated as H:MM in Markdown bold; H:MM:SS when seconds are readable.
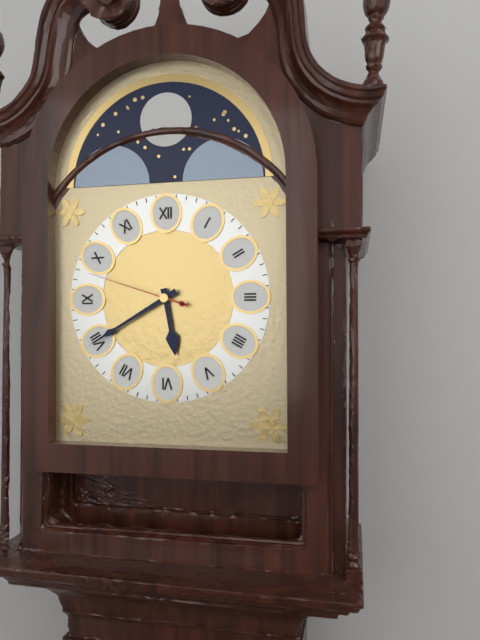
**5:40:48**
